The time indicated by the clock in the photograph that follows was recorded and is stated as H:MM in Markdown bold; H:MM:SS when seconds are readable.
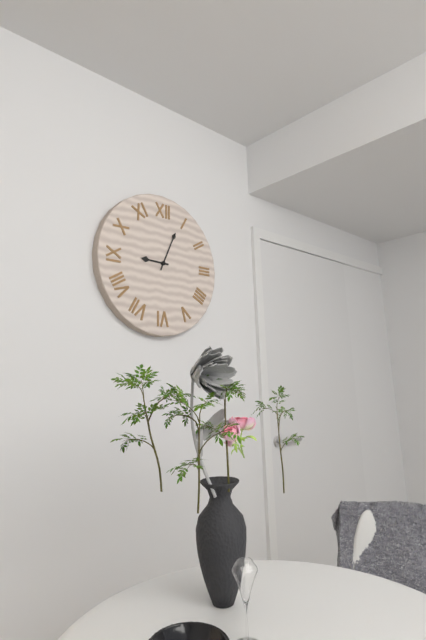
**9:04**
